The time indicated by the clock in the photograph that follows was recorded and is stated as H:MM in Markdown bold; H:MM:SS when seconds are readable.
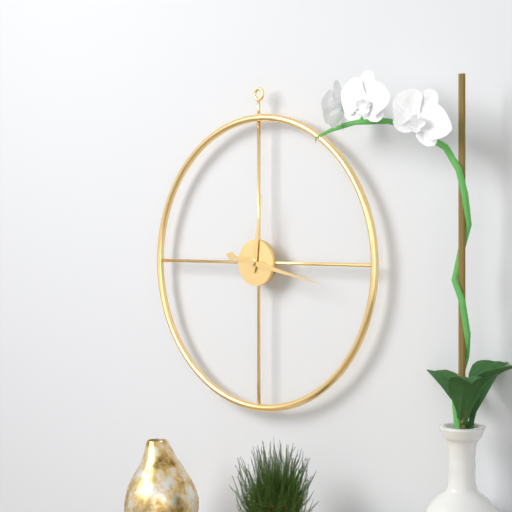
**12:17**
